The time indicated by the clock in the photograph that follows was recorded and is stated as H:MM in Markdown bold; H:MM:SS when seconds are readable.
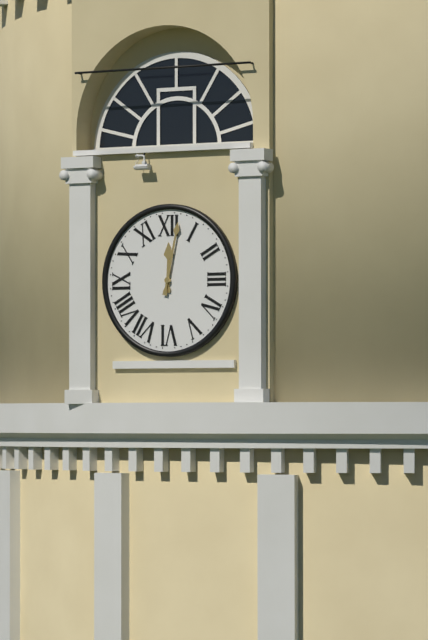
**12:02**
